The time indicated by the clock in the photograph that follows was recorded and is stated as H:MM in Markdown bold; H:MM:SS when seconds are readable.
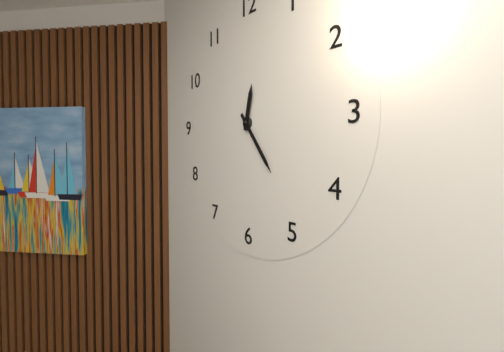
**12:24**
